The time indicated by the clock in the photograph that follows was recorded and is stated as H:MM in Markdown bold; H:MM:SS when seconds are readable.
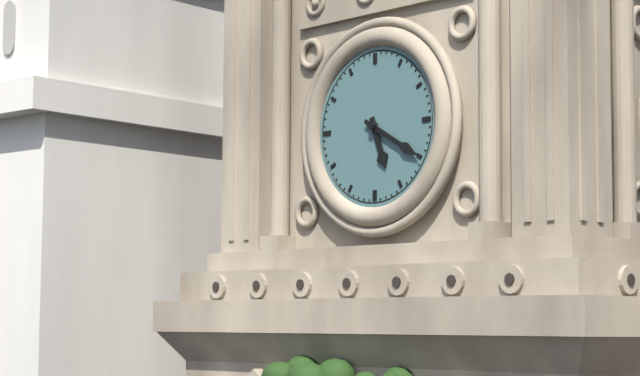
**5:20**
